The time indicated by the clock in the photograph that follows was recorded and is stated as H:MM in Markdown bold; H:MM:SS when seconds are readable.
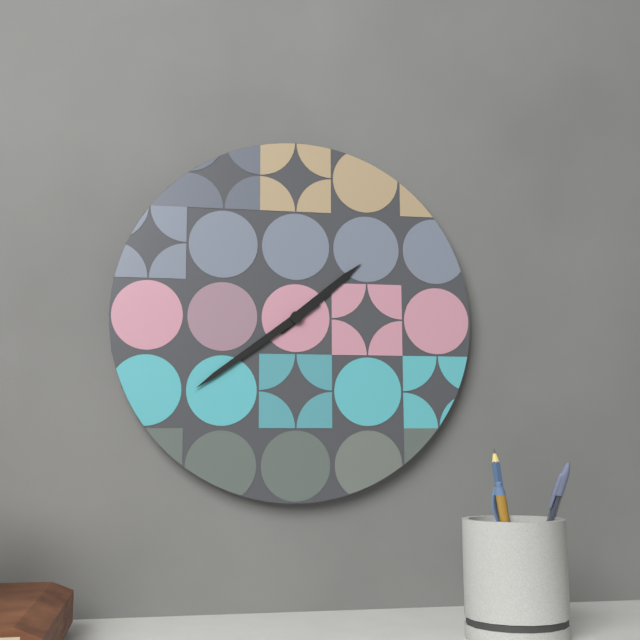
**1:39**
